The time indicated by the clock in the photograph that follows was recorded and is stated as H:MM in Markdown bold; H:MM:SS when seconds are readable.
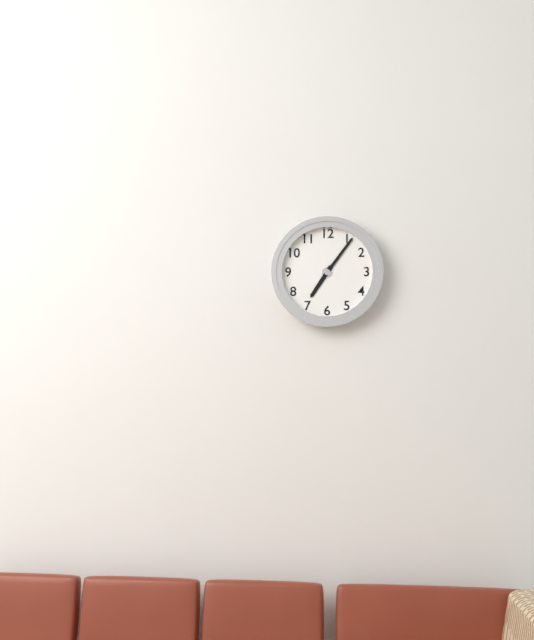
**7:06**
